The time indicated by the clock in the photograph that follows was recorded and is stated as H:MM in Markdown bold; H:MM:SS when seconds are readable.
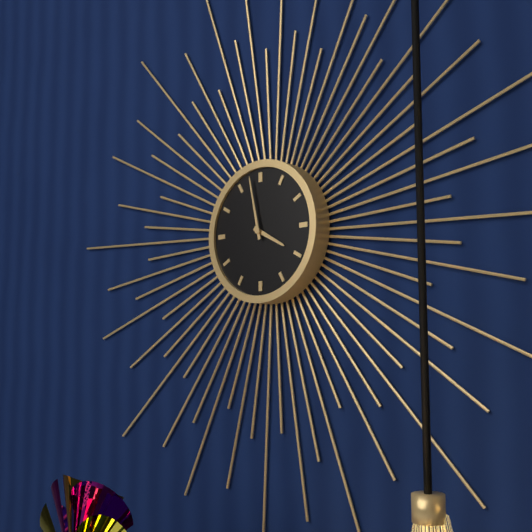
**3:58**
